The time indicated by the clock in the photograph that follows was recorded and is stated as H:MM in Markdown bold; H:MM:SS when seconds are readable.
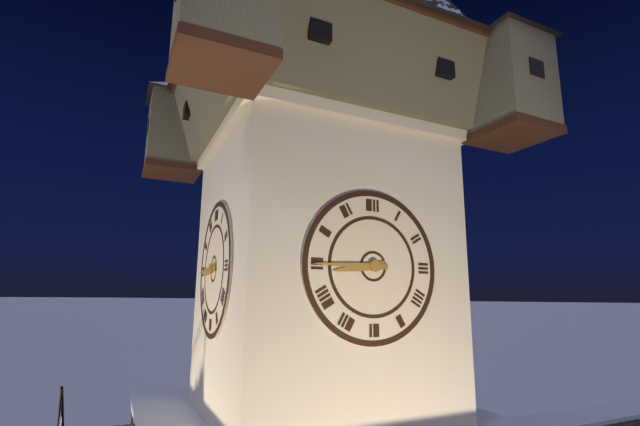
**8:45**
